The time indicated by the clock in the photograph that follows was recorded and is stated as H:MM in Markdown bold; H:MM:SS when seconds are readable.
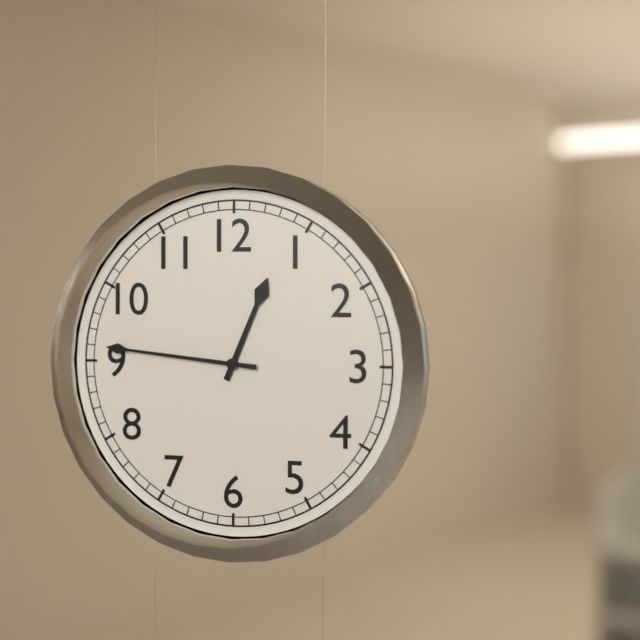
**12:46**
